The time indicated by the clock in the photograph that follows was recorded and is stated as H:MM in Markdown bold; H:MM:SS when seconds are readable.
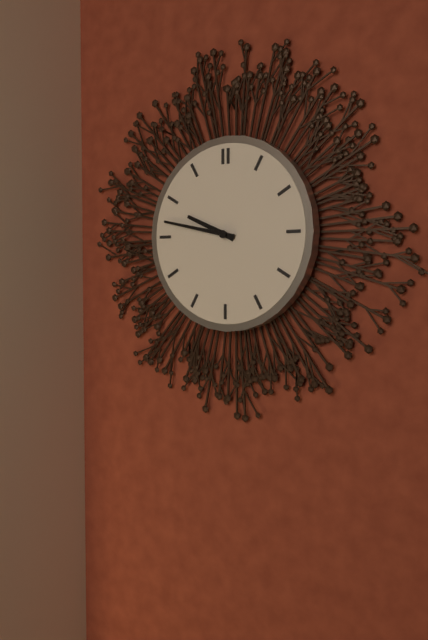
**9:47**
